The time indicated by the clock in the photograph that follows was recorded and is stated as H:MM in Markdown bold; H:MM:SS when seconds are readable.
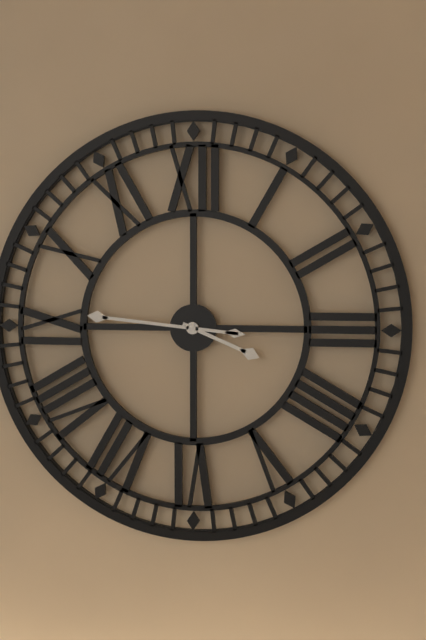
**3:46**
